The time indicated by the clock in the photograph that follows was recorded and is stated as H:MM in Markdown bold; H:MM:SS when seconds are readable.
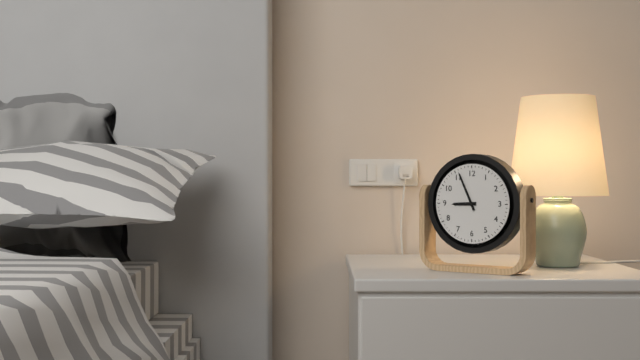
**8:56**
